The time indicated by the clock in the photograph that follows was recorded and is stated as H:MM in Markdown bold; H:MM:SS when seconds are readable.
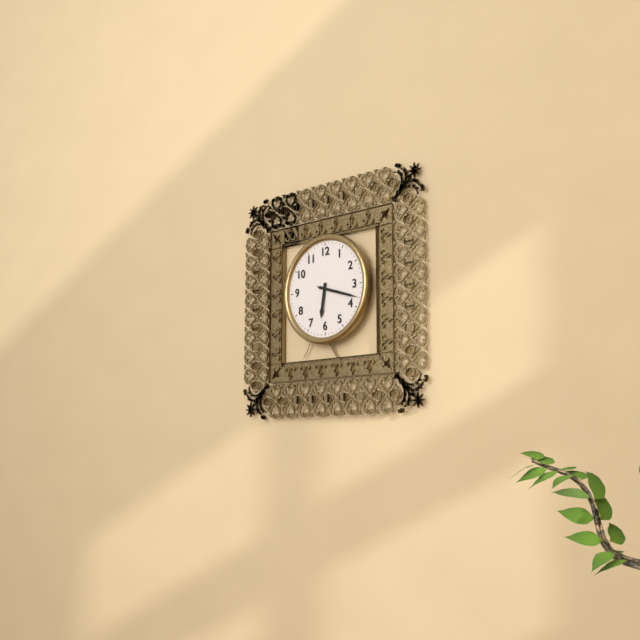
**6:18**
